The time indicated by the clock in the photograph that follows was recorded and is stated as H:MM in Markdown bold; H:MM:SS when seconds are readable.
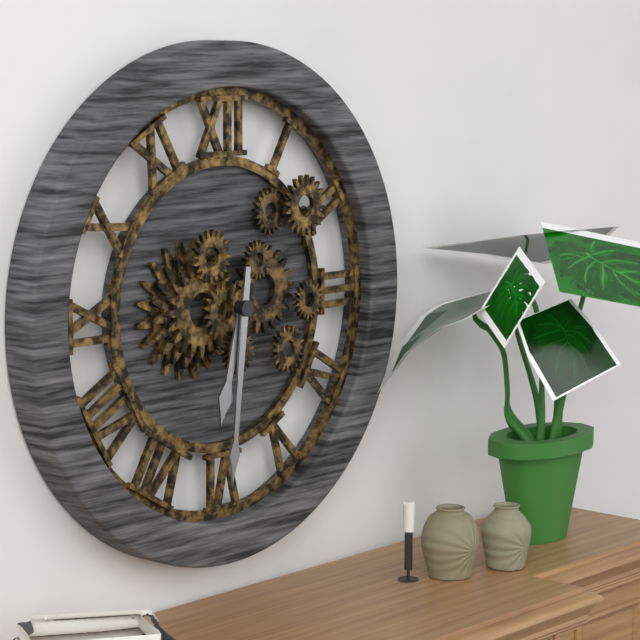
**6:31**
